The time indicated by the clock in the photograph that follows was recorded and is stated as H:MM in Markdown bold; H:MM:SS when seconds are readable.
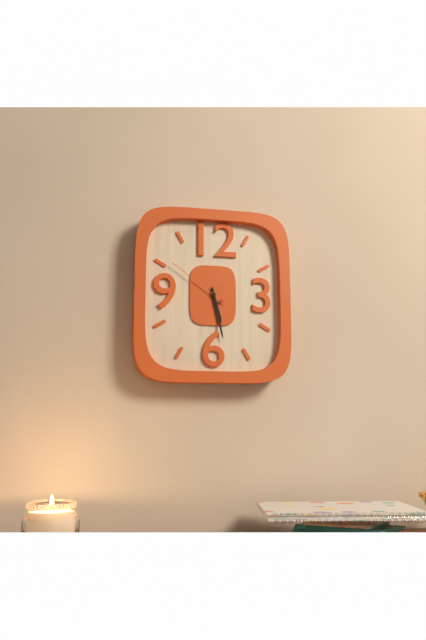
**5:28:51**
